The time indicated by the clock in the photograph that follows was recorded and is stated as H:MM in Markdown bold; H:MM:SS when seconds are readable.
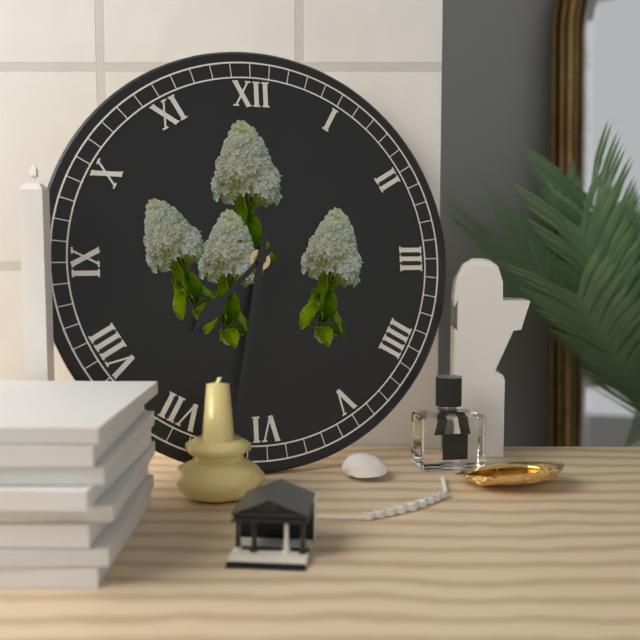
**7:32**
